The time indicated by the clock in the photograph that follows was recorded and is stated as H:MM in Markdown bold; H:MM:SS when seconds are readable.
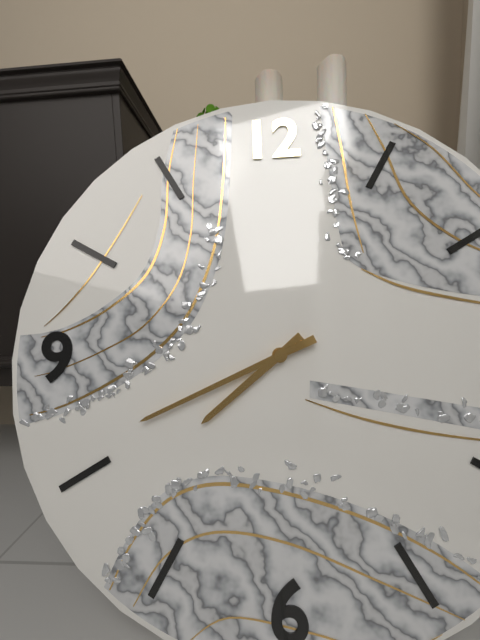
**7:41**
